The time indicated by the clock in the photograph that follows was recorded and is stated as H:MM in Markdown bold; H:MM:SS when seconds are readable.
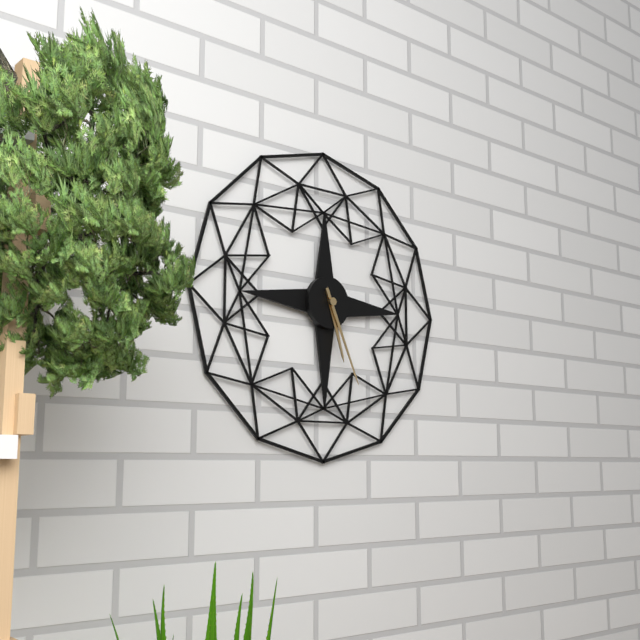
**5:26**
